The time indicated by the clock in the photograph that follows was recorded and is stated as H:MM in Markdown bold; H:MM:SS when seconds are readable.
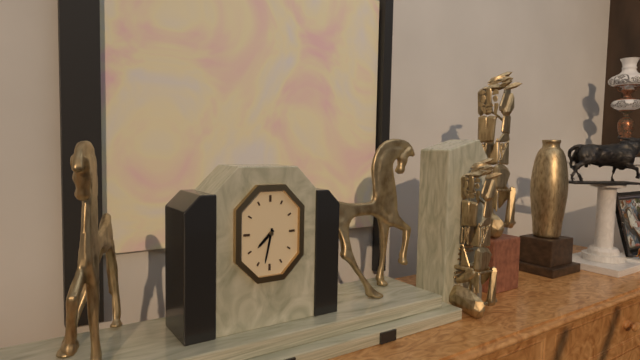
**7:32**
